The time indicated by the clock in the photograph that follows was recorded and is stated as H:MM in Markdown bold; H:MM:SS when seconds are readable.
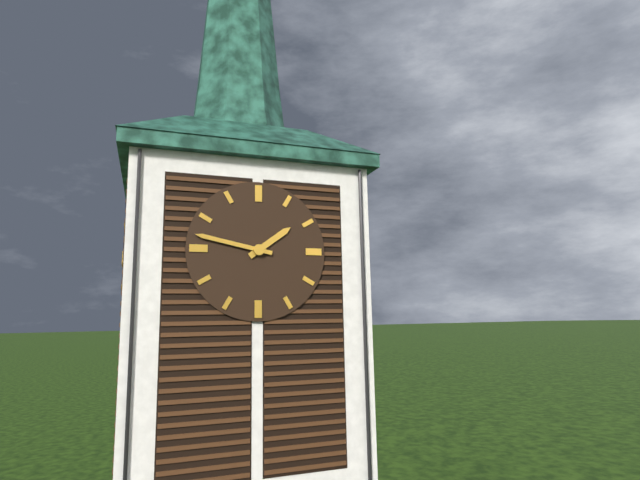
**1:47**
